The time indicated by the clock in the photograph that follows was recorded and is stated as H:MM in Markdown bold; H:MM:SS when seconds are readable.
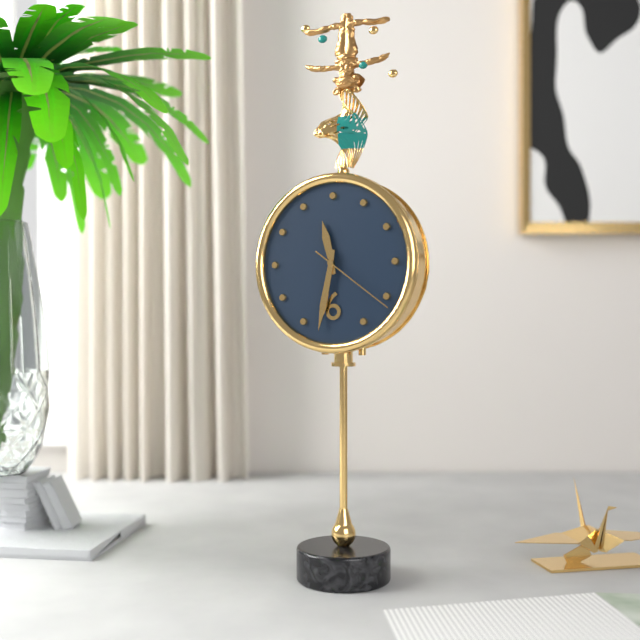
**11:32:21**
